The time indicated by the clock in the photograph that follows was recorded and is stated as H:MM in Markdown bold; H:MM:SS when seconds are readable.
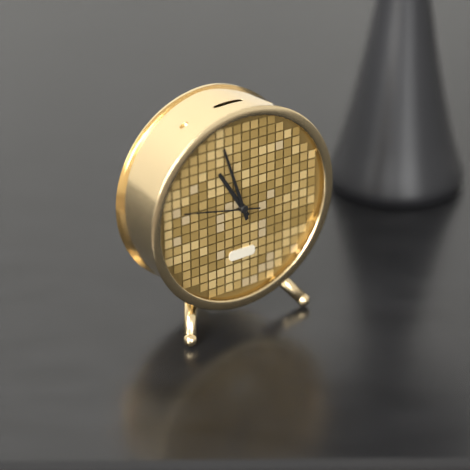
**10:57:47**
